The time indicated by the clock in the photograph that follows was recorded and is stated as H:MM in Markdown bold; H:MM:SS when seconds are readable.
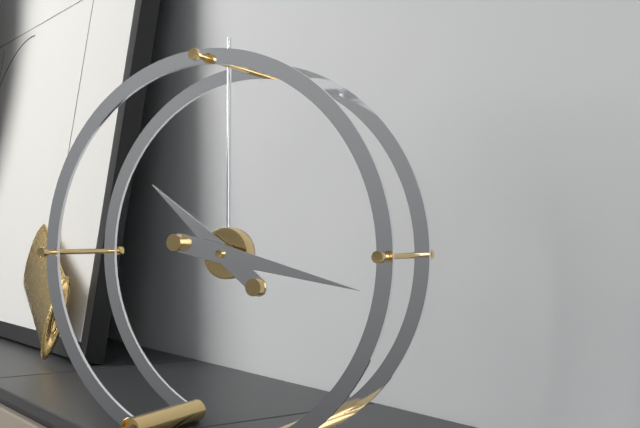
**10:17**
